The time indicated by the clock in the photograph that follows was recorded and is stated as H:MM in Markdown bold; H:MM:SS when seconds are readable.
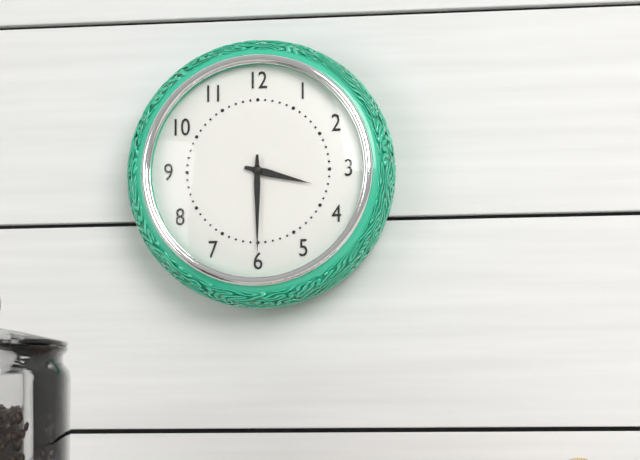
**3:30**
